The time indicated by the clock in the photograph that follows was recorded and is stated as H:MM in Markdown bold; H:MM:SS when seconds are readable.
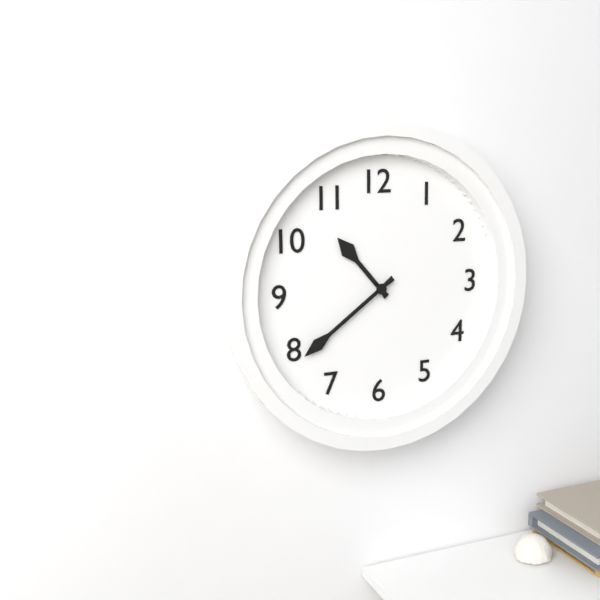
**10:39**
